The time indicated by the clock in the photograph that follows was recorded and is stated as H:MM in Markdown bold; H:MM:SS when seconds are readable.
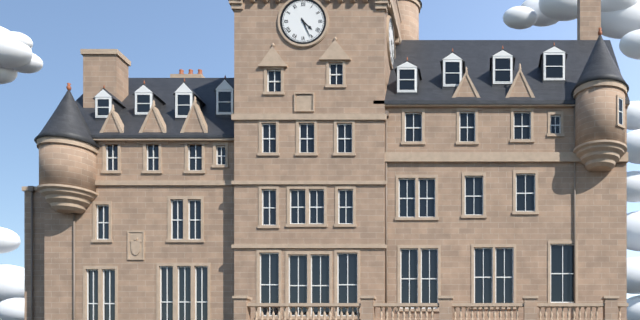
**4:26**
